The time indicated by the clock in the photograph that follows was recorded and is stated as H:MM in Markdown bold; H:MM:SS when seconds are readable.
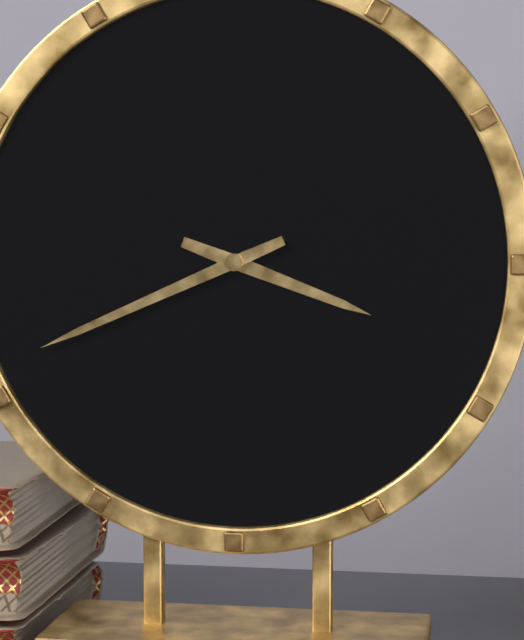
**3:41**
